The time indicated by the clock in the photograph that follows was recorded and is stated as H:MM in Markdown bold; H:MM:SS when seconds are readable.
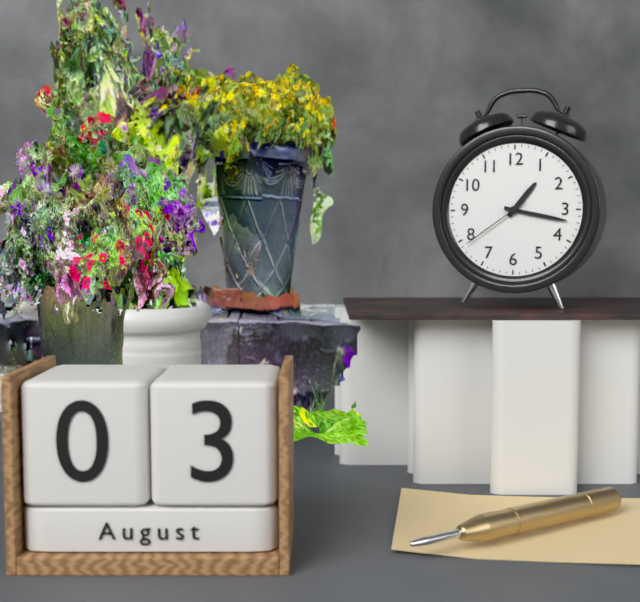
**1:17:39**
